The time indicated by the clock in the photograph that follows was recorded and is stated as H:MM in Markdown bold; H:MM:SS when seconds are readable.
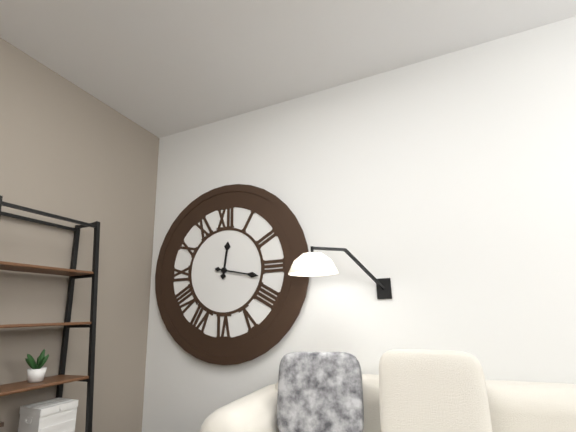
**12:17**
